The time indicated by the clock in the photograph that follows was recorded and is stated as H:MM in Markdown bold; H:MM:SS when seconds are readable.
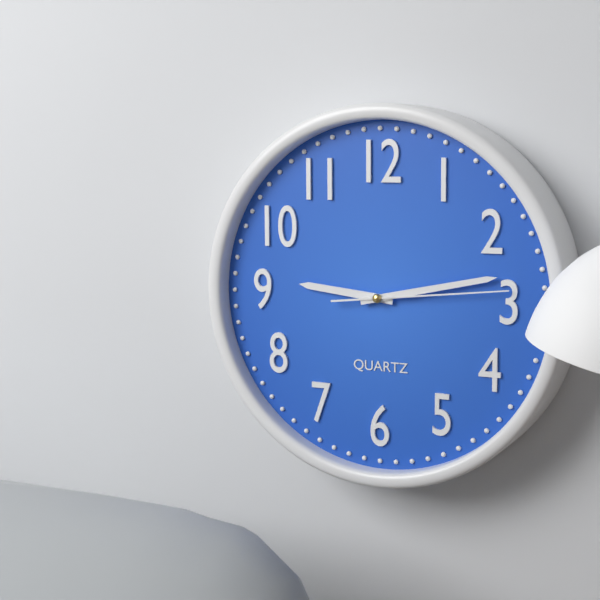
**9:13:14**
